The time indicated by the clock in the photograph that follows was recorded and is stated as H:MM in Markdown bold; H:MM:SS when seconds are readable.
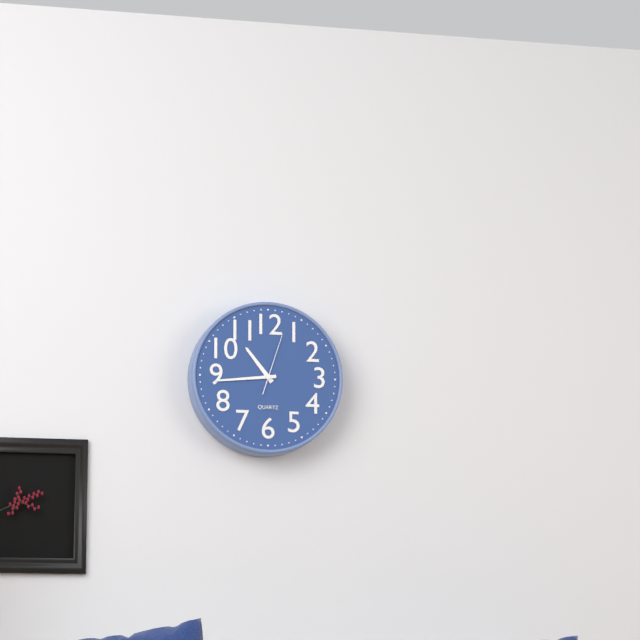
**10:44:03**
